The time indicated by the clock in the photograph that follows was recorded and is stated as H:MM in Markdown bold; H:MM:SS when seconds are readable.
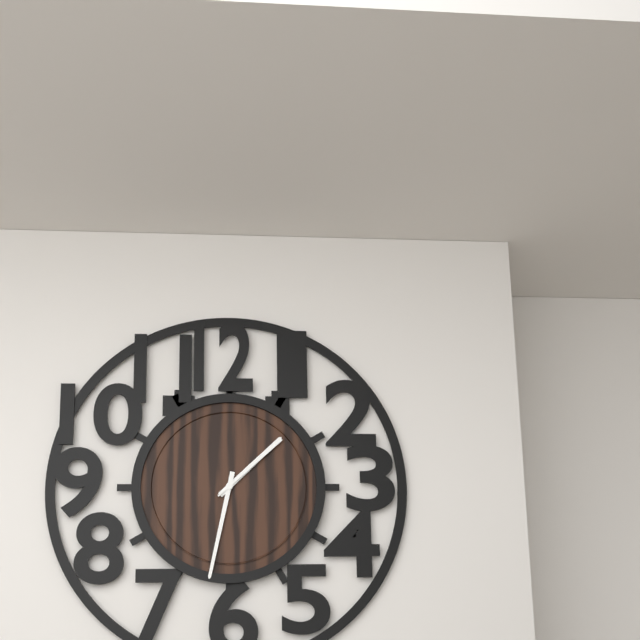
**1:32:08**
